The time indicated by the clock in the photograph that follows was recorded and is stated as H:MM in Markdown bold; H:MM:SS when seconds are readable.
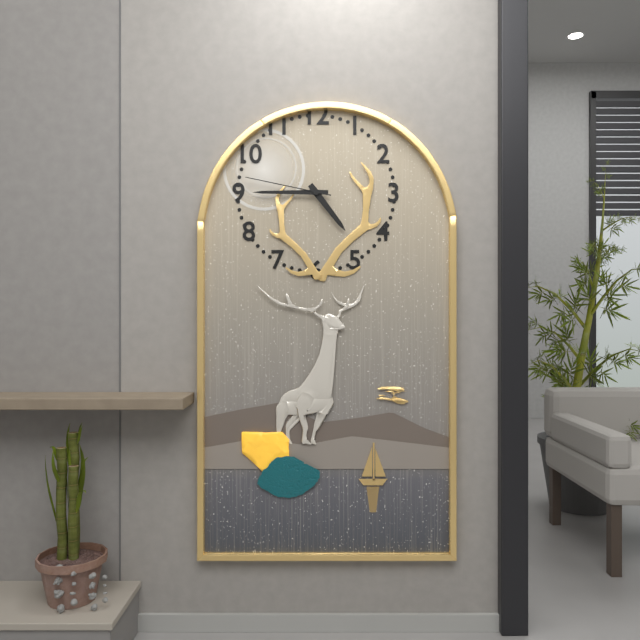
**4:45:47**
